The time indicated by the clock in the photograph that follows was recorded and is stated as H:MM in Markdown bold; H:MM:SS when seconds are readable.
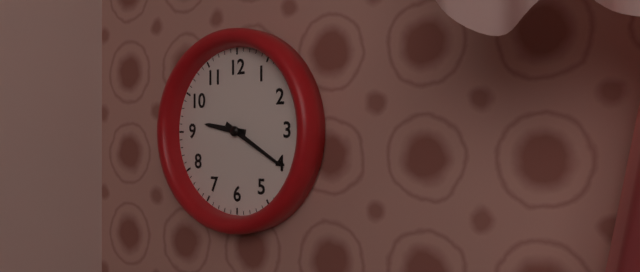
**9:20**
